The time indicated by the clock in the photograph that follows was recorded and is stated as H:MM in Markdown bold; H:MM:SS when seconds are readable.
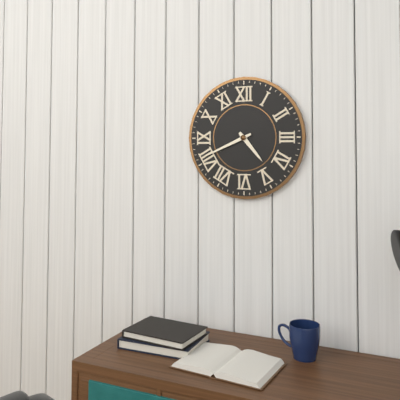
**4:41**
